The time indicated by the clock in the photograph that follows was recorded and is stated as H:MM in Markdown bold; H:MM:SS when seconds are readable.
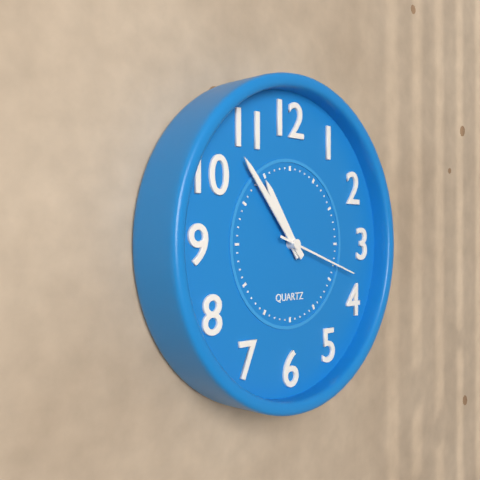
**10:53:18**
